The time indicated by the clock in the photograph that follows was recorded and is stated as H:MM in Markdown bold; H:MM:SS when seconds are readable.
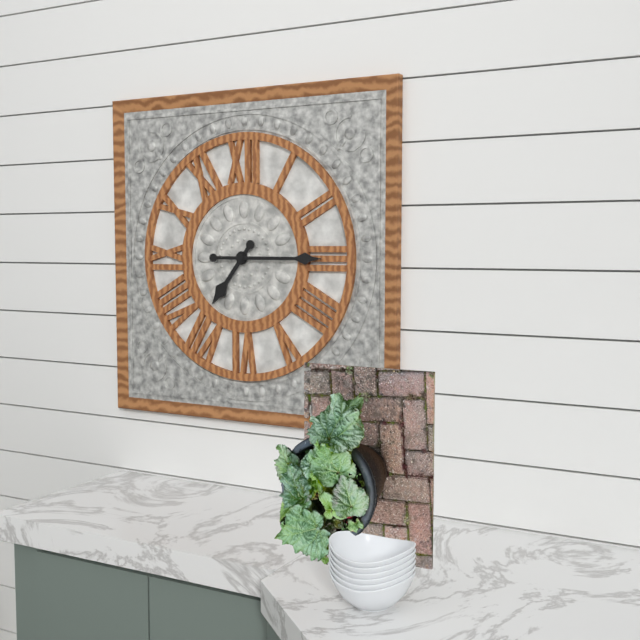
**7:15**
